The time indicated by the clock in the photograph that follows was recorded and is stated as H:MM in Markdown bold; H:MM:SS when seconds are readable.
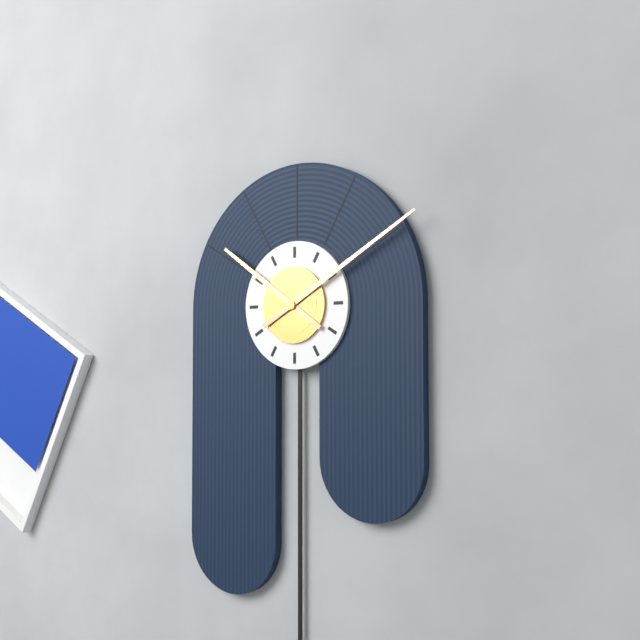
**10:10**
